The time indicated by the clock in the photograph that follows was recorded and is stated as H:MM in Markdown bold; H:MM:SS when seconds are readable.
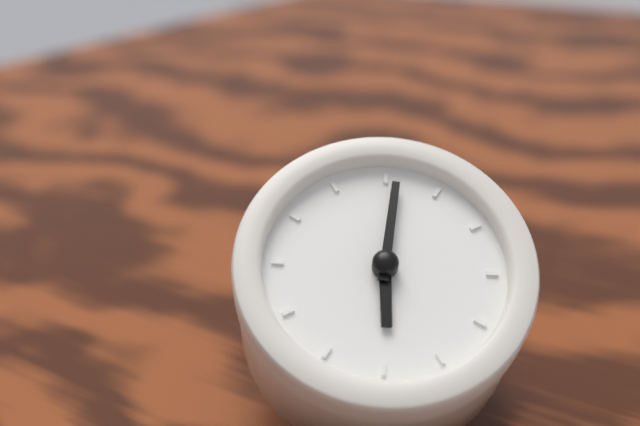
**4:56**
